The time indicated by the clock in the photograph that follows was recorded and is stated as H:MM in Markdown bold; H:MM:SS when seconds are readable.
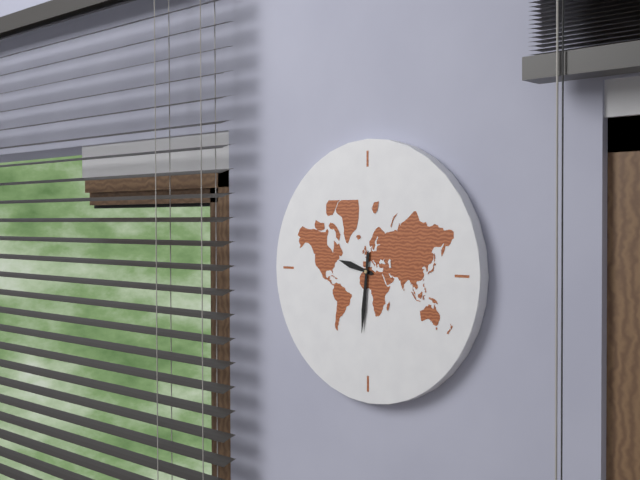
**9:31**
